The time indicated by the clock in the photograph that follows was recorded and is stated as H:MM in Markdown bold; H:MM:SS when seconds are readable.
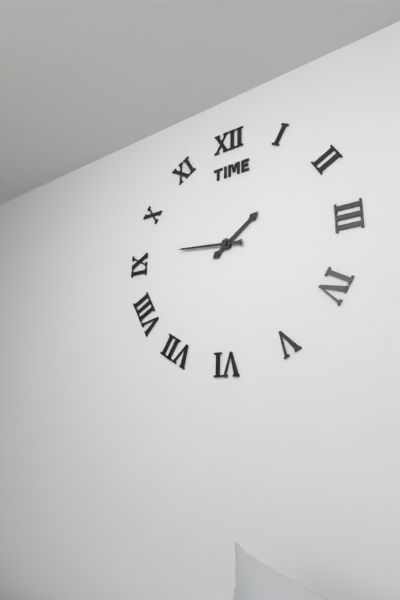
**1:46**
